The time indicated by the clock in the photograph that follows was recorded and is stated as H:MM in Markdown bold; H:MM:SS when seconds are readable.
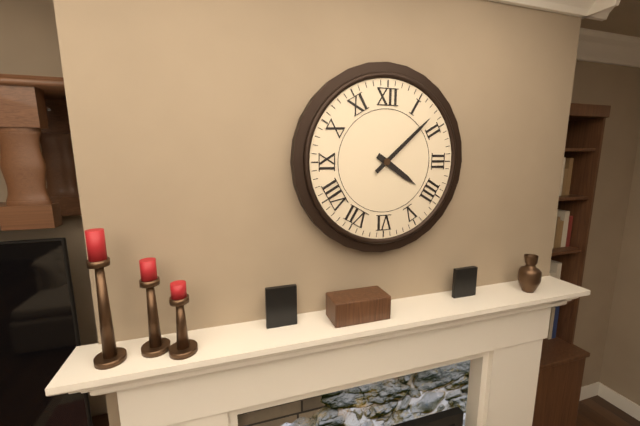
**4:08**
